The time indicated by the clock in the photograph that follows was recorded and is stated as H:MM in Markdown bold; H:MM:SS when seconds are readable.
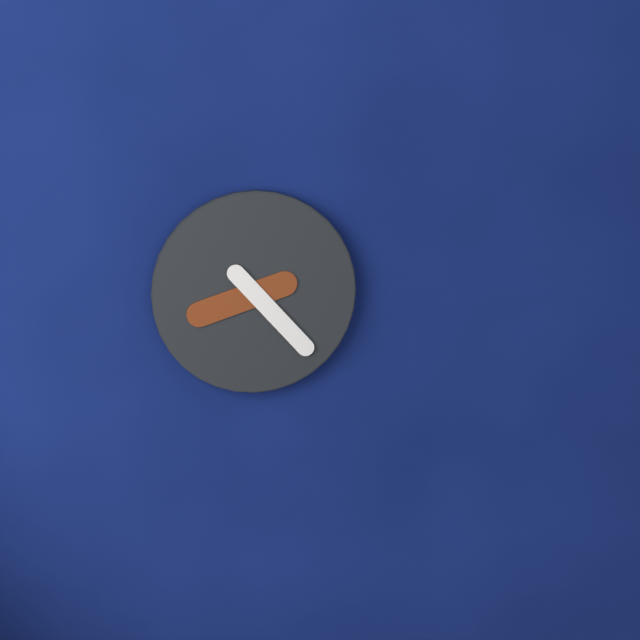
**8:23**
